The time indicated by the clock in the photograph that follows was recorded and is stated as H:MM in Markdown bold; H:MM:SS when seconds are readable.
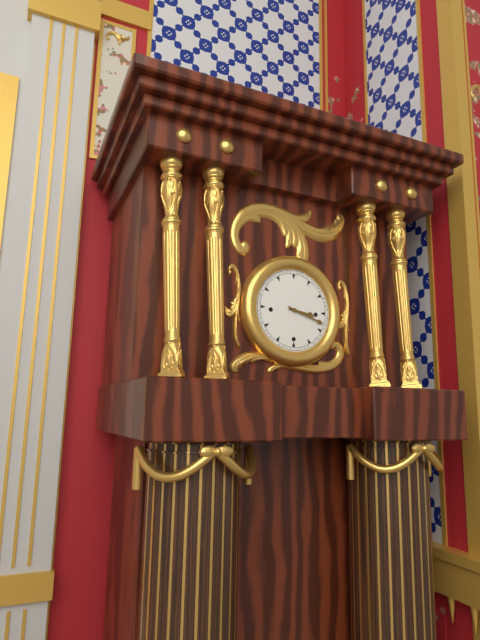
**3:18**
